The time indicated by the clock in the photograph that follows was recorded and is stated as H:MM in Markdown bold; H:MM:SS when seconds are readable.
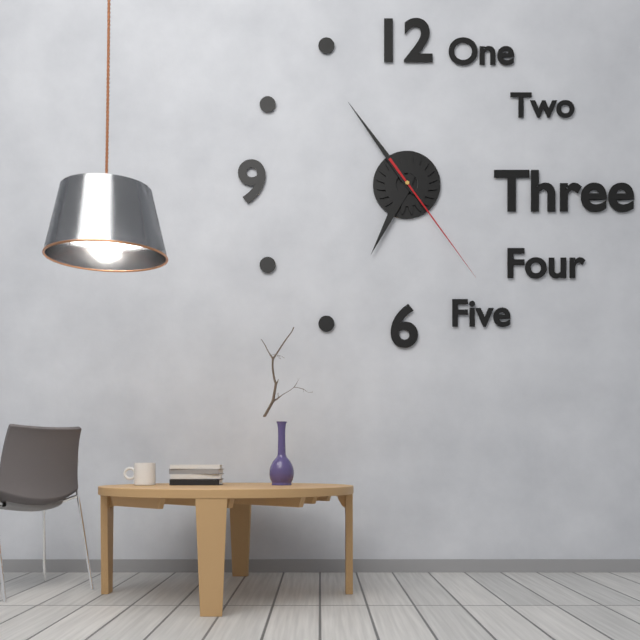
**6:54:24**
